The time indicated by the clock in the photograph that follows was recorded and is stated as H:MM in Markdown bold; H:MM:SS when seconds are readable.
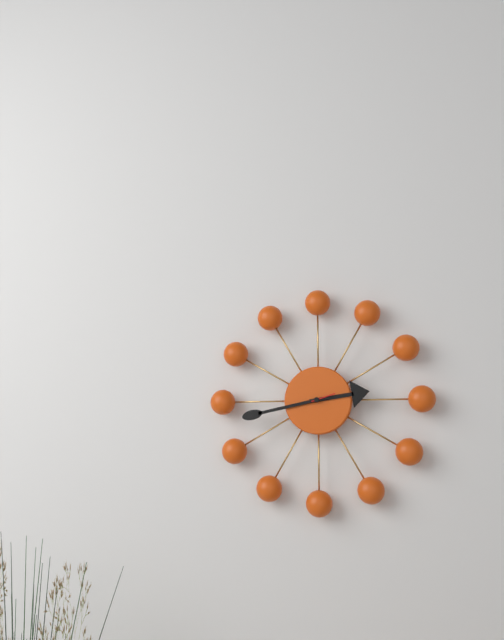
**2:43**
